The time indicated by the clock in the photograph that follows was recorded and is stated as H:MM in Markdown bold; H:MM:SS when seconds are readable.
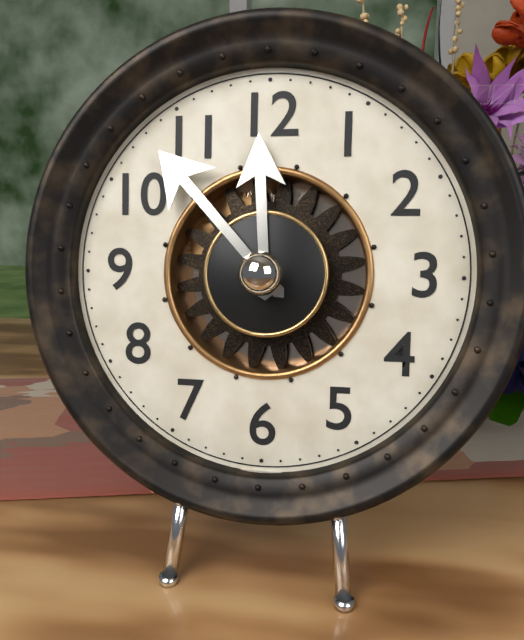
**11:53**
